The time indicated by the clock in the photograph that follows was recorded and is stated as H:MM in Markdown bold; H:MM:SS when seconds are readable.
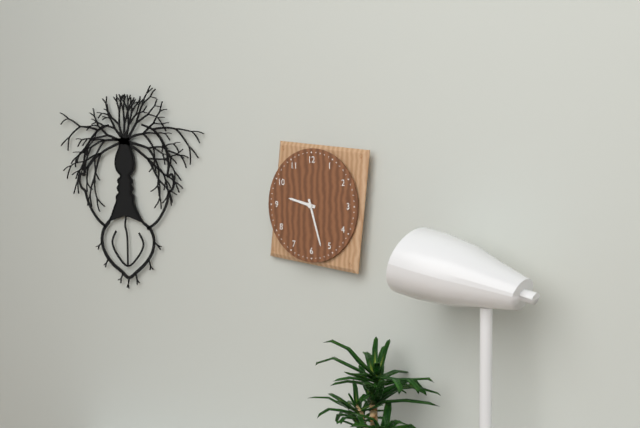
**9:27**
